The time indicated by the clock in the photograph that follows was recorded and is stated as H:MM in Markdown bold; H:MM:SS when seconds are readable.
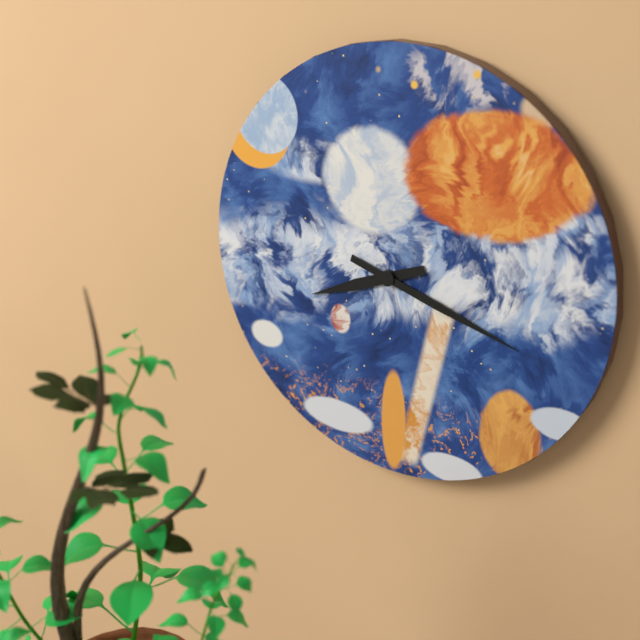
**8:18**
